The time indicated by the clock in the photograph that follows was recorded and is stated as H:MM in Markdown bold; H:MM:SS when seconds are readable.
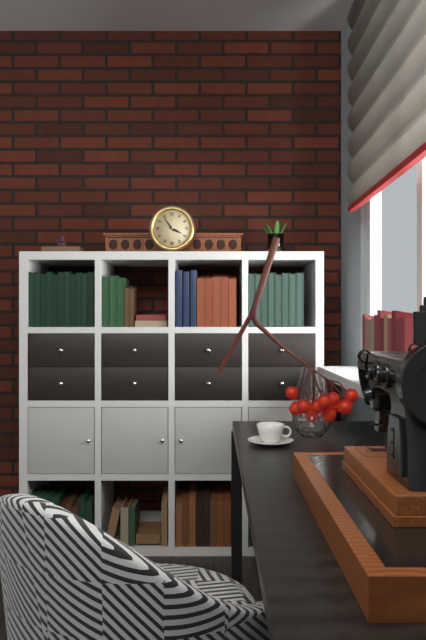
**3:54**
